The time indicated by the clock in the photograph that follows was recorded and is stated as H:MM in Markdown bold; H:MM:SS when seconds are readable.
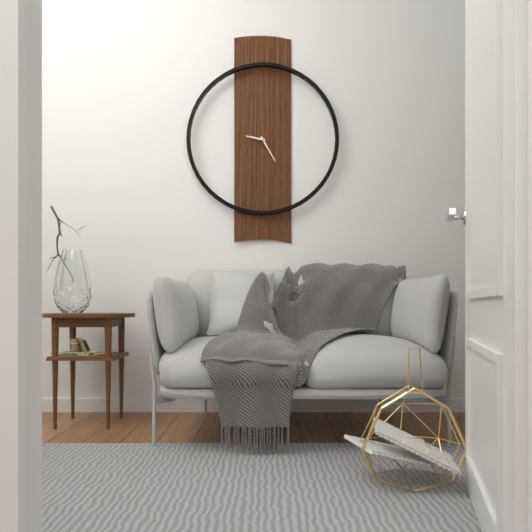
**9:25**
